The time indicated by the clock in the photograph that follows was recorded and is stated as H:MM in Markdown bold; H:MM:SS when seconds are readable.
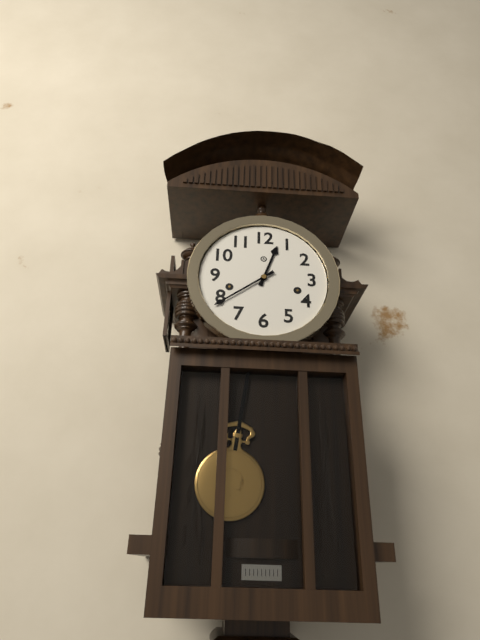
**12:39**
